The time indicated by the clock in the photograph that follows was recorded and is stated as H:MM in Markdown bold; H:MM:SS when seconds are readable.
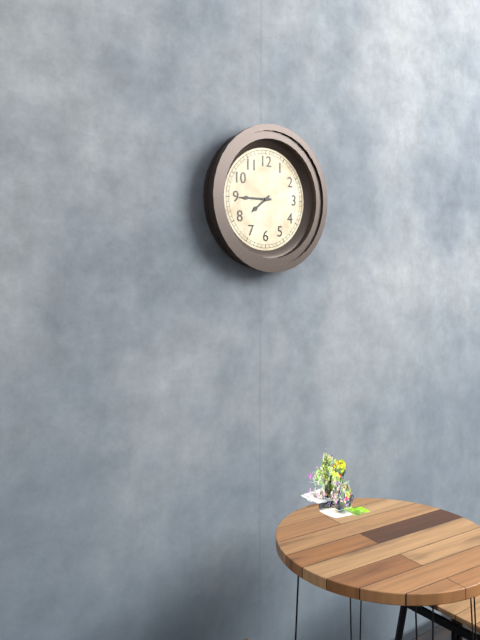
**7:45**
